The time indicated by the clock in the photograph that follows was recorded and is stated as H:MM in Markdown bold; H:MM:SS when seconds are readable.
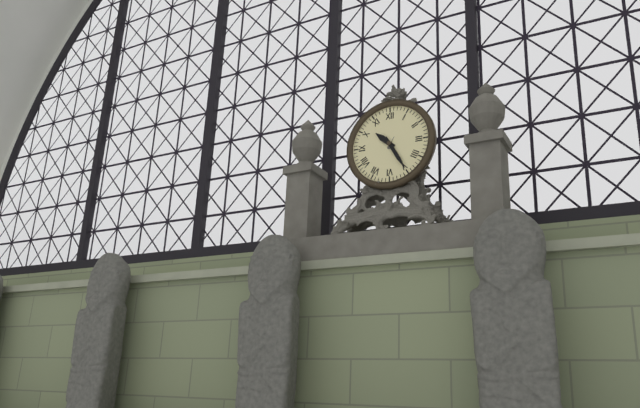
**10:25**
